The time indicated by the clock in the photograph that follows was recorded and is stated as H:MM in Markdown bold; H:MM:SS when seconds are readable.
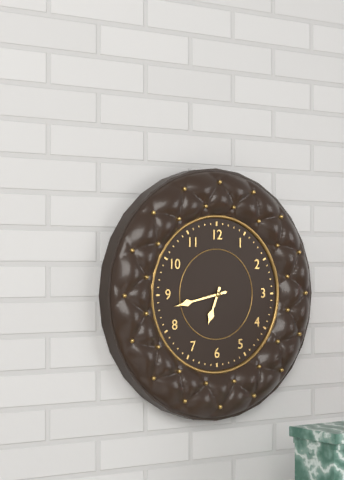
**6:43**
